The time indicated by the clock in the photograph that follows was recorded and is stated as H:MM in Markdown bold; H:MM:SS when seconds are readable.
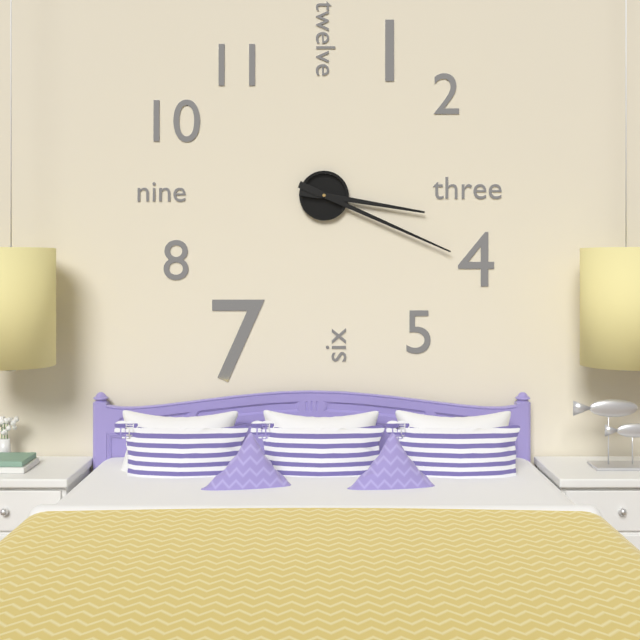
**3:19**
